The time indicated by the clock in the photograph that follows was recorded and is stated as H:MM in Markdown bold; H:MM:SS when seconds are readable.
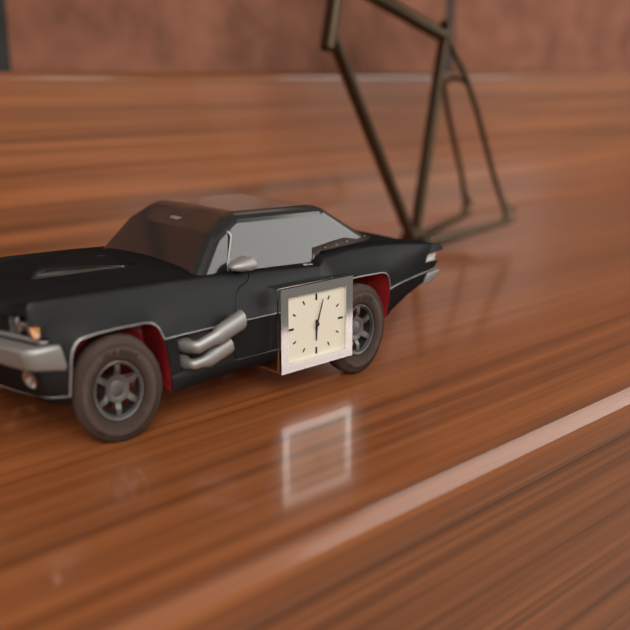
**6:03**
